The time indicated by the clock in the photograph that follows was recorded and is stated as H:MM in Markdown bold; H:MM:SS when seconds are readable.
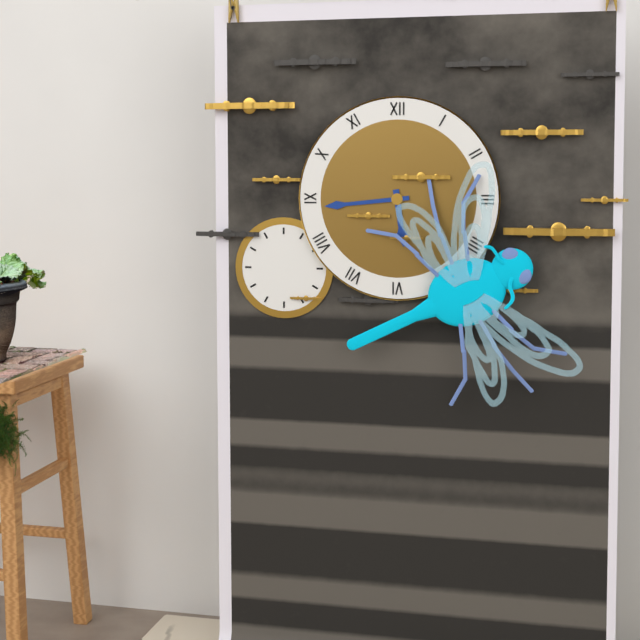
**5:44**
